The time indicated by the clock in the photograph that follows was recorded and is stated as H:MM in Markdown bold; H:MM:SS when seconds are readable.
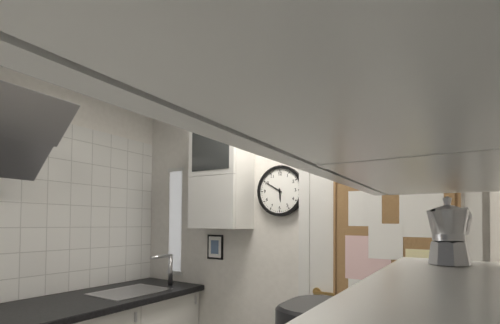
**5:50**
